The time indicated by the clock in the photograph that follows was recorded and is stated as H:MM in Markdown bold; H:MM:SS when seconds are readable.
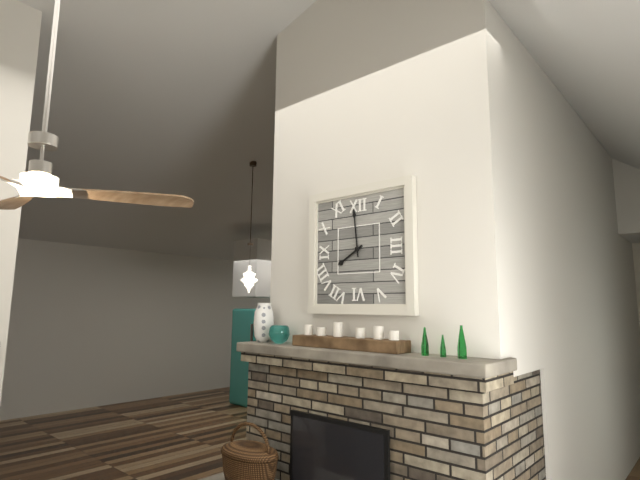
**7:59**
